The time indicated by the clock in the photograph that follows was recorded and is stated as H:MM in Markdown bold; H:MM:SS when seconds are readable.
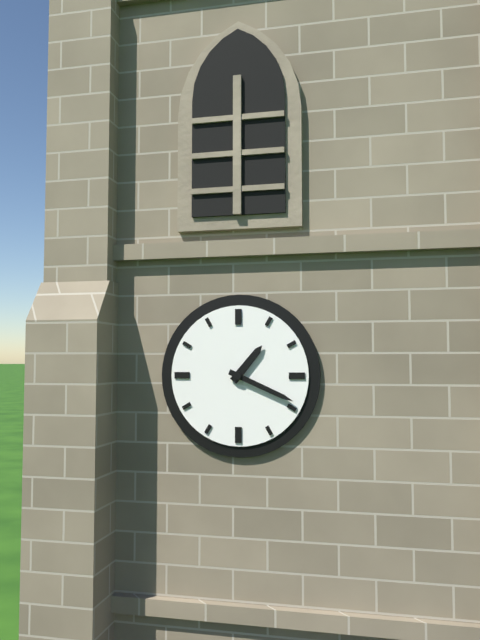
**1:19**
